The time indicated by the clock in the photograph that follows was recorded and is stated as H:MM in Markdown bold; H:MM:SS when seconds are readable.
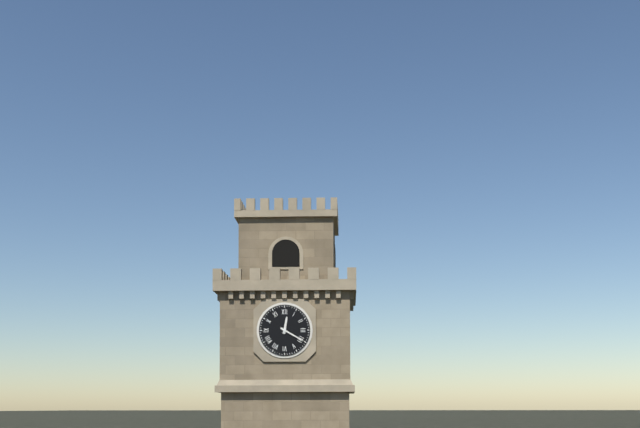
**12:20**
